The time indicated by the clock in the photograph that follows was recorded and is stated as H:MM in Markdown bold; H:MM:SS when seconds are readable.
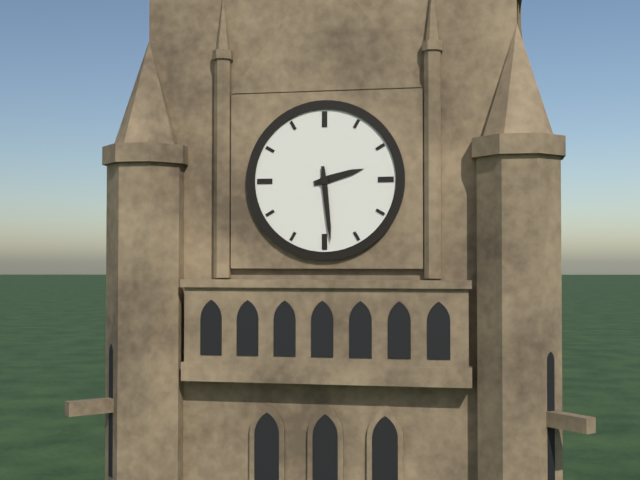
**2:29**
